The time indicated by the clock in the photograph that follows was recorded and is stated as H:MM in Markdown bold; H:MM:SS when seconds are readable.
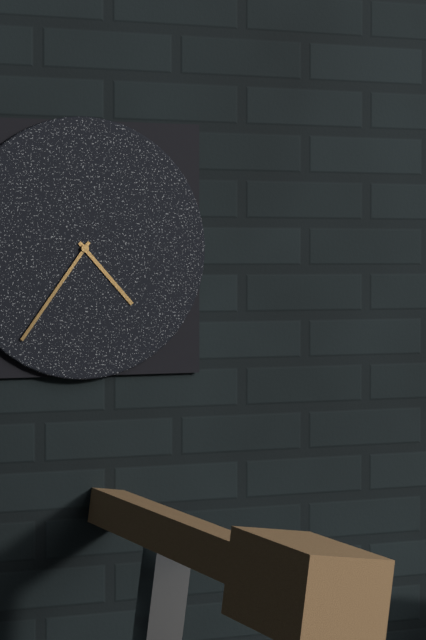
**4:36**
